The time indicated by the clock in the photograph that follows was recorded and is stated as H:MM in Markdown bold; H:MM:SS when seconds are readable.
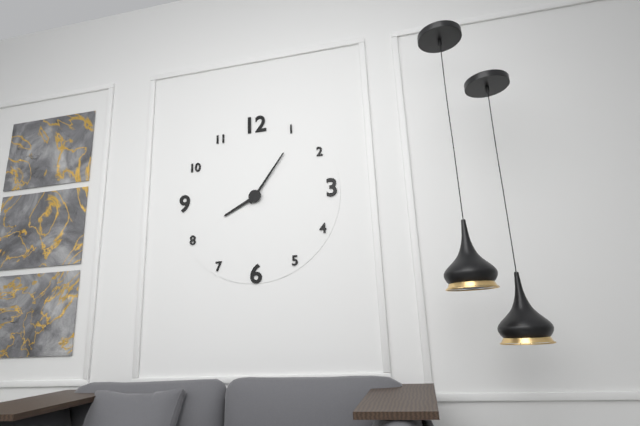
**8:06**
